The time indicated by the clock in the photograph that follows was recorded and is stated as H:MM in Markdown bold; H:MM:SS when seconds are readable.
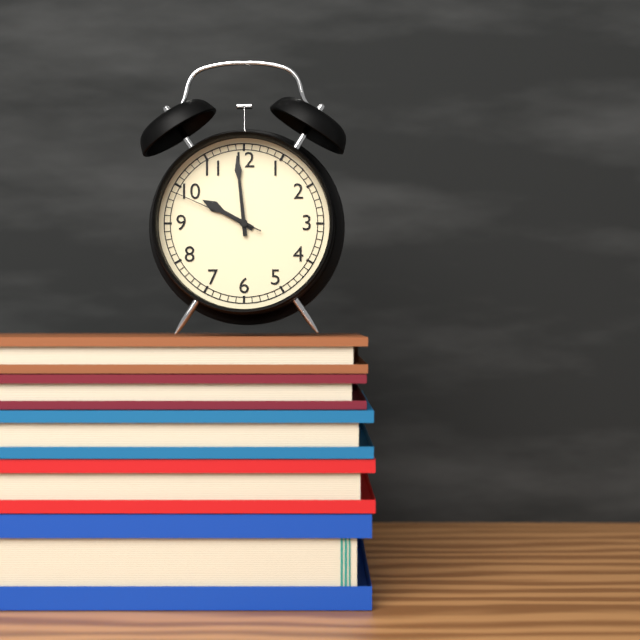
**9:59:49**
